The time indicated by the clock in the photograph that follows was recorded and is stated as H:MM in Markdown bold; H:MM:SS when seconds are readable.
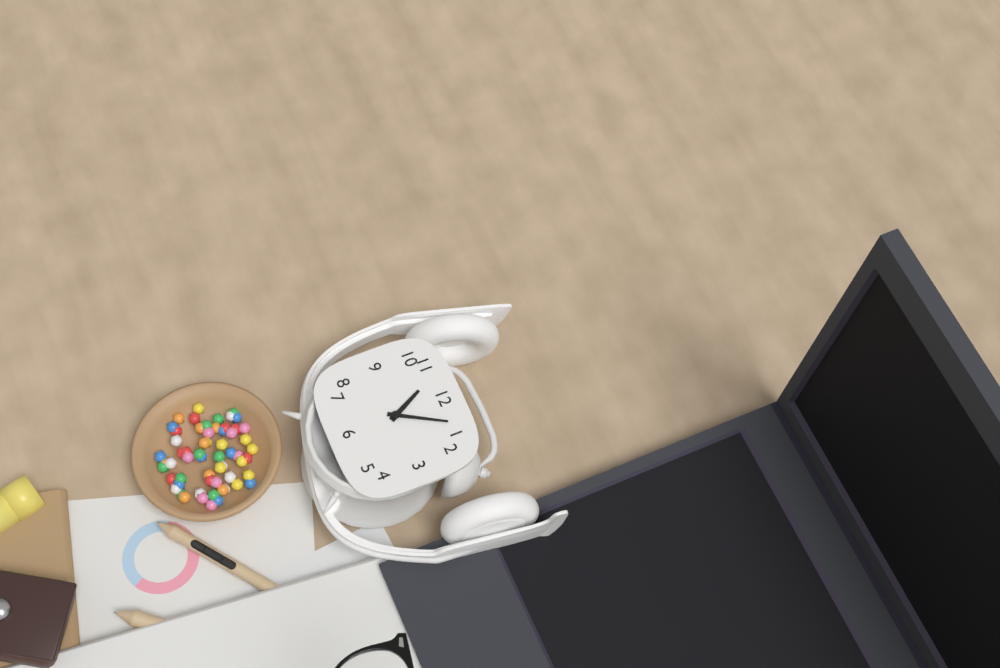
**11:05**
